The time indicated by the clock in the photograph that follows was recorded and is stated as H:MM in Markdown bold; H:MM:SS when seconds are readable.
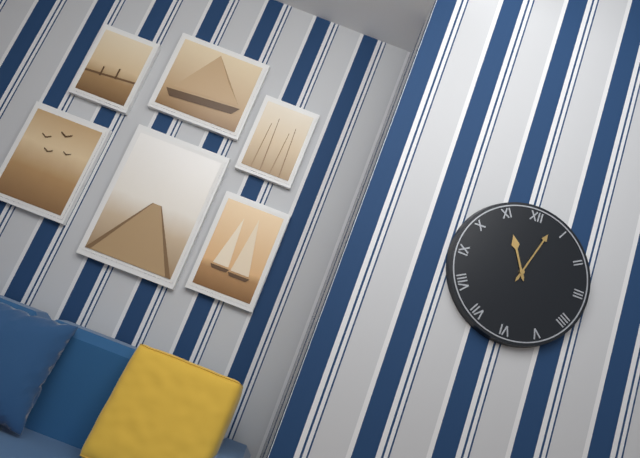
**11:03**
